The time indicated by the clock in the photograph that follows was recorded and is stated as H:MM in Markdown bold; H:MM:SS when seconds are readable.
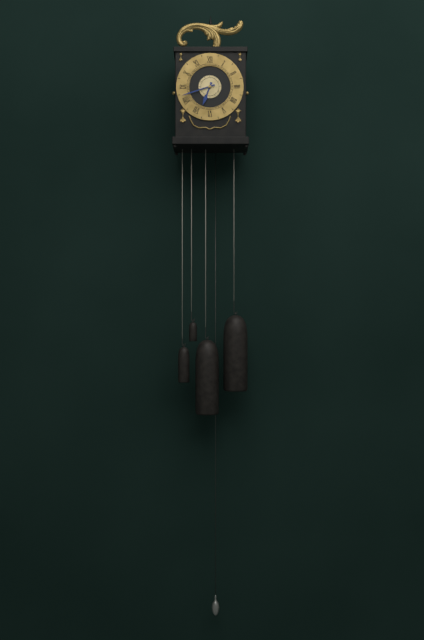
**6:42**
